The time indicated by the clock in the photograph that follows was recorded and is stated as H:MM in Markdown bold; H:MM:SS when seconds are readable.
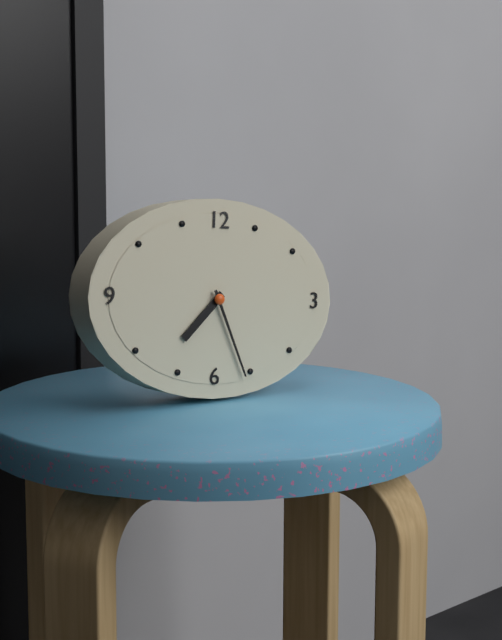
**7:26**
